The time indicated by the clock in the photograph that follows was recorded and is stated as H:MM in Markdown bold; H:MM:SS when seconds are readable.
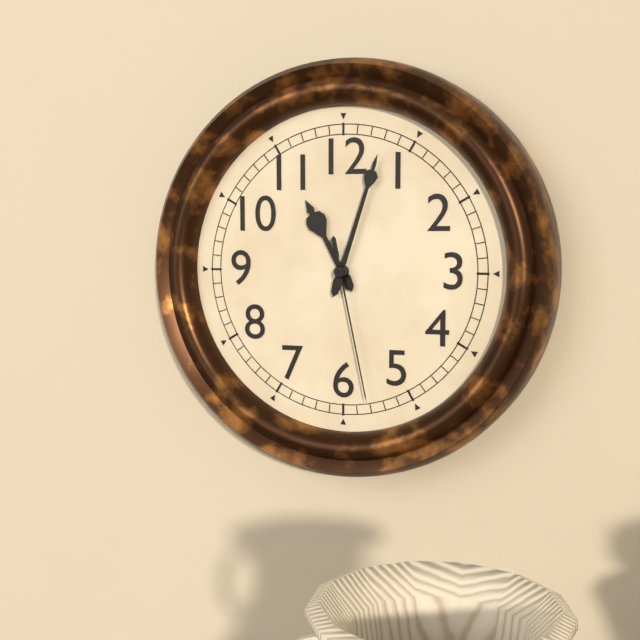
**11:03:28**
